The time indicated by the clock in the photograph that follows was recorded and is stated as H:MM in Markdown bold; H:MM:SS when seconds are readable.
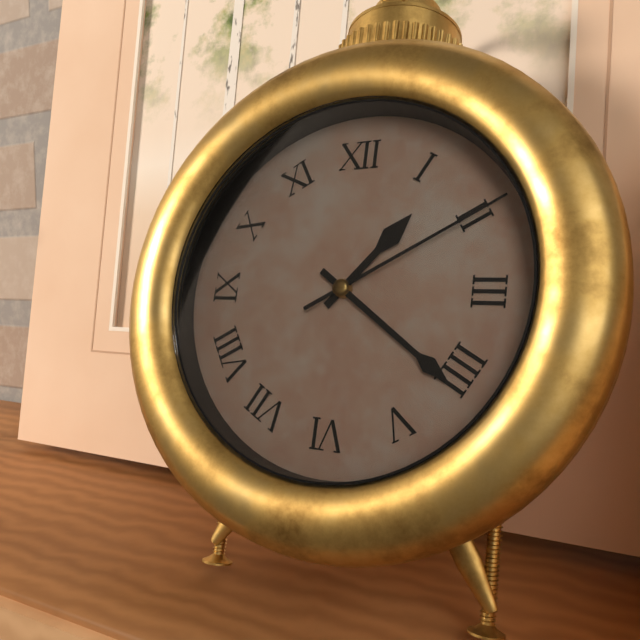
**1:21:10**
